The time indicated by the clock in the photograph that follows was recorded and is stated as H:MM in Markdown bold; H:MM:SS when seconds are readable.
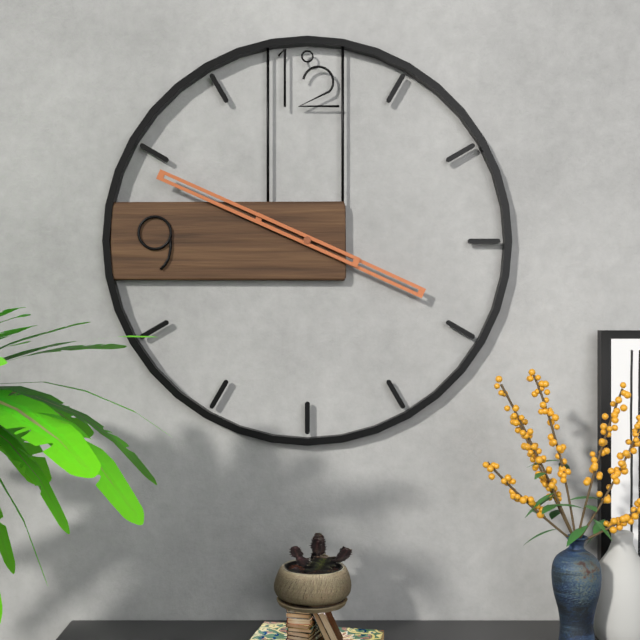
**3:49**
